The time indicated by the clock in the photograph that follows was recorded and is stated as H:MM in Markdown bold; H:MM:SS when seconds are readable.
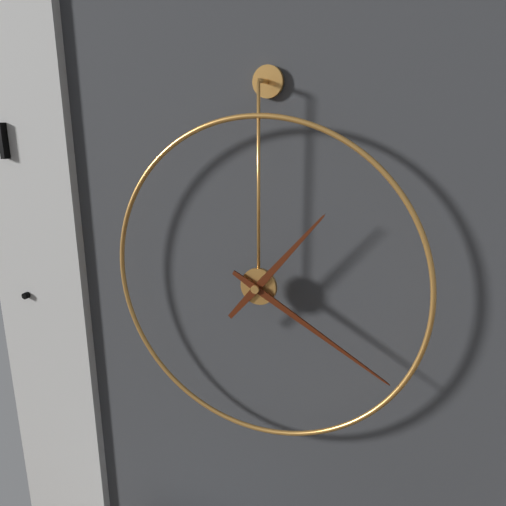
**1:20**
